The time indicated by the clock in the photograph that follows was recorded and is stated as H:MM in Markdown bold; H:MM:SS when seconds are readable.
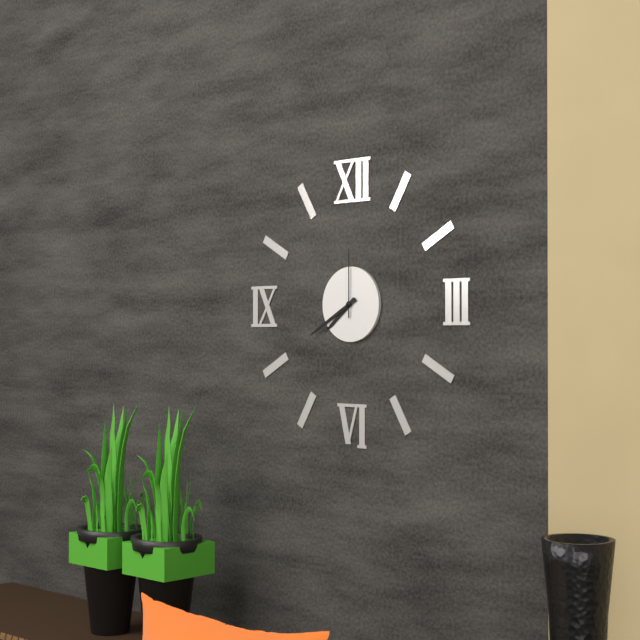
**7:40:00**
